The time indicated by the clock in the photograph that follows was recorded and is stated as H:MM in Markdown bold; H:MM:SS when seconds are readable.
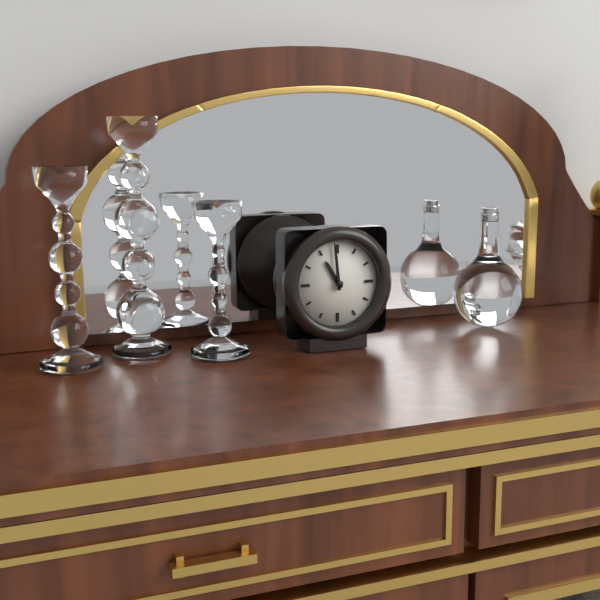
**10:59**
